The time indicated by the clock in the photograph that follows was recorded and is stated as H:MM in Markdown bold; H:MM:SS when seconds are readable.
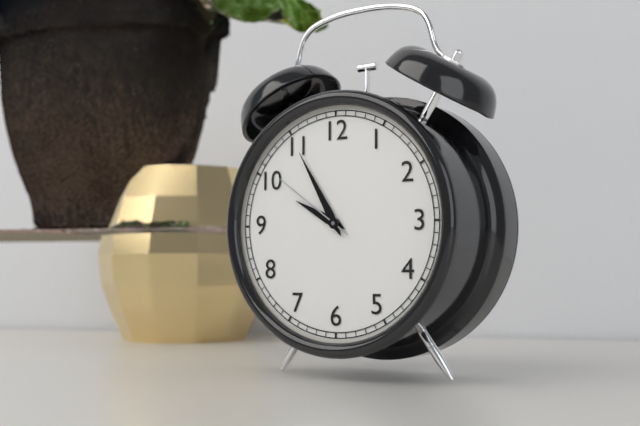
**9:55:51**
